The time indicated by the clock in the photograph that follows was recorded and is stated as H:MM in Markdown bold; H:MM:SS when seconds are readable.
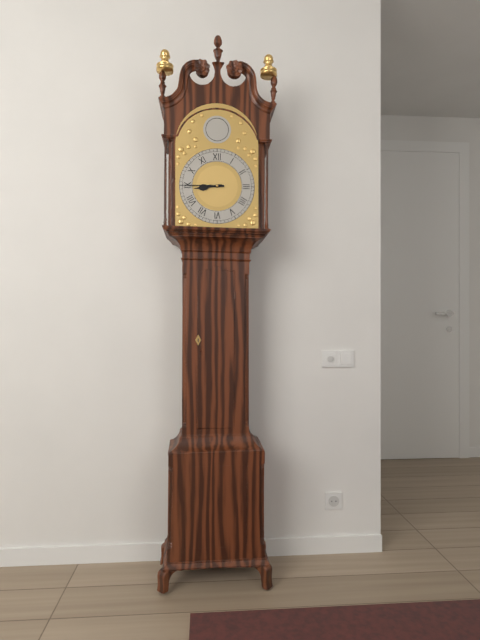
**8:45**
